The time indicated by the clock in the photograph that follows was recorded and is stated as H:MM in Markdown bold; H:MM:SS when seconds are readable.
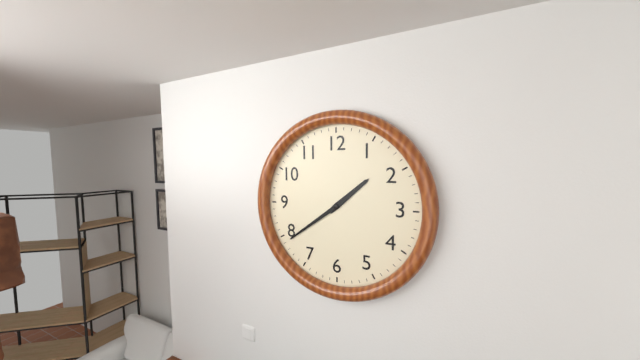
**1:39**
